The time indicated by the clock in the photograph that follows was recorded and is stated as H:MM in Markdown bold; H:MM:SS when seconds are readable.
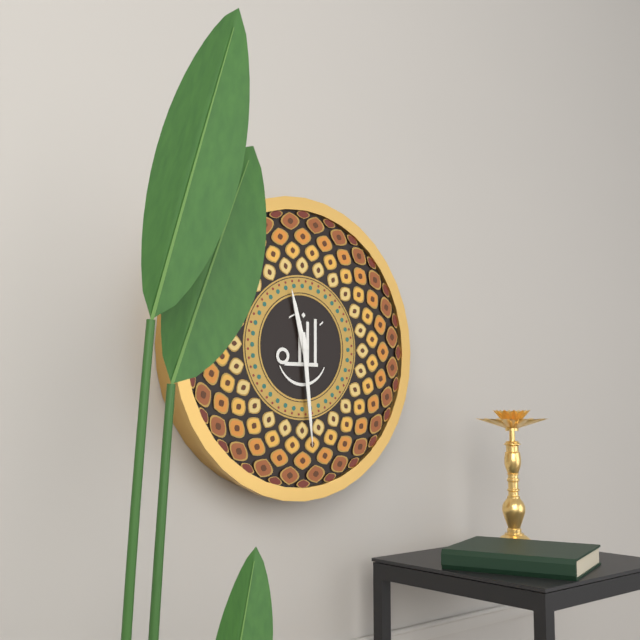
**11:29**
